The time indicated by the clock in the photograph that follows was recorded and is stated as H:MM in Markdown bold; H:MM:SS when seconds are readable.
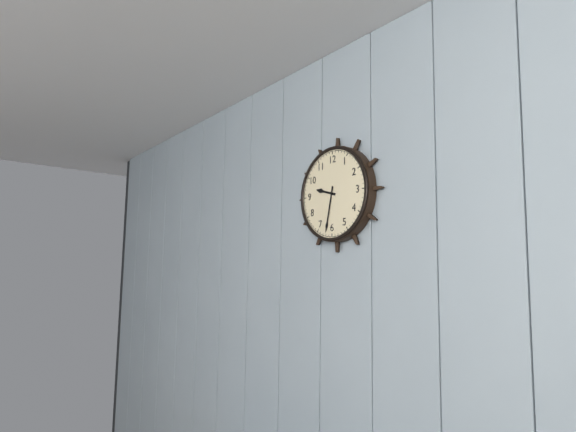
**9:32**
